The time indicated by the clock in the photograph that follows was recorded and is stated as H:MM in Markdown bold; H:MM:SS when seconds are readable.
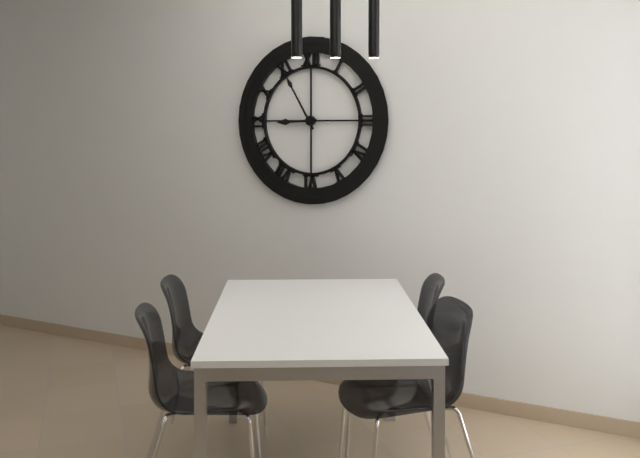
**8:55**
